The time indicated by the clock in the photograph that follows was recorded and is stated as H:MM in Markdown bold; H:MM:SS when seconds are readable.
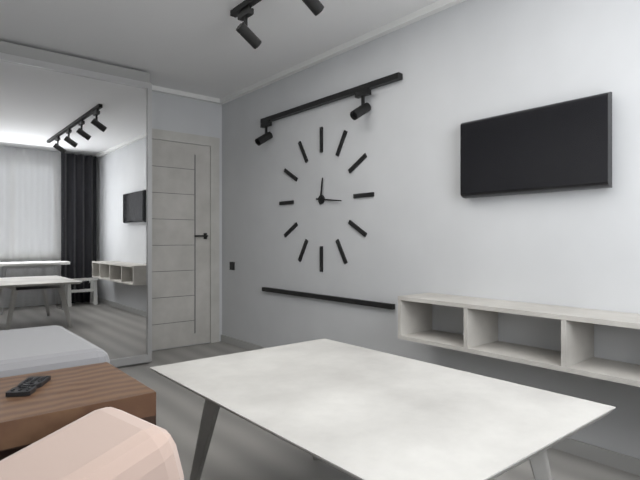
**12:16**
